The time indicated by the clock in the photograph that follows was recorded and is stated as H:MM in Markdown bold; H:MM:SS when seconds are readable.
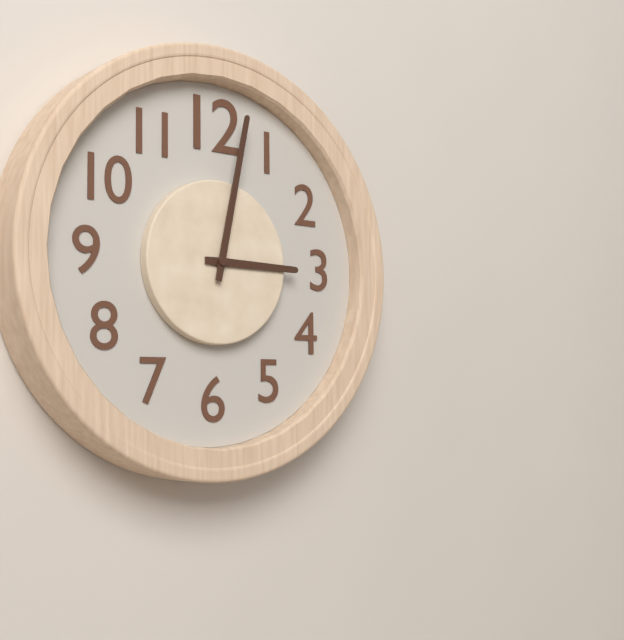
**3:02**
